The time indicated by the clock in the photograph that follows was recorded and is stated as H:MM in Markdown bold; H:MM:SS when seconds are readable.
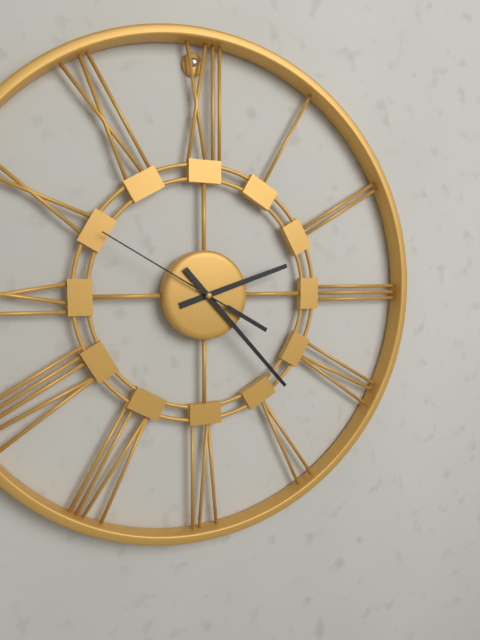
**2:23:50**
